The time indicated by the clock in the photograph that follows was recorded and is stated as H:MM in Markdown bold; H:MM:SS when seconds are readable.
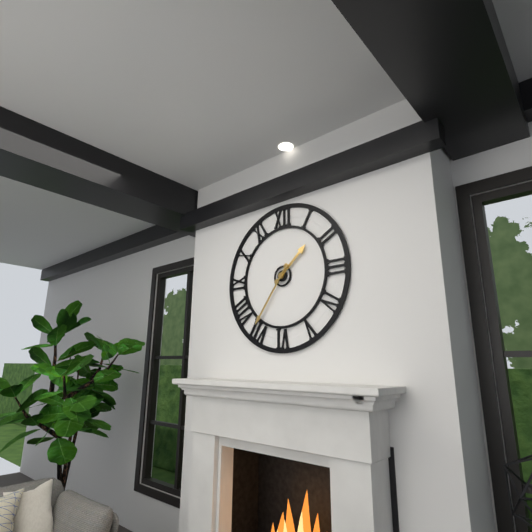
**1:36**
